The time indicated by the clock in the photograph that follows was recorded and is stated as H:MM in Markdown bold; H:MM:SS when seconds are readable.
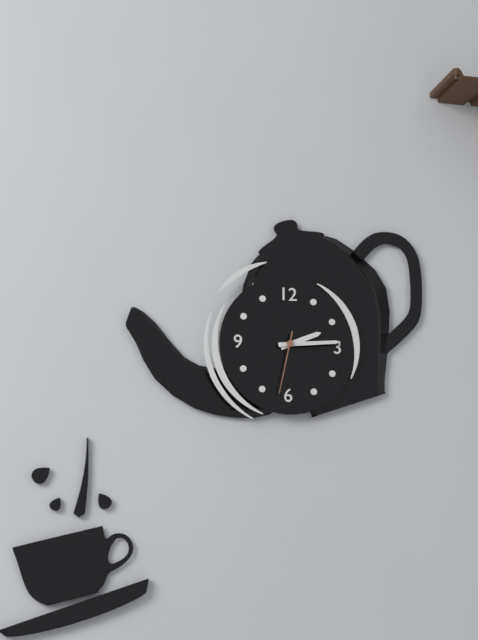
**2:14:32**
